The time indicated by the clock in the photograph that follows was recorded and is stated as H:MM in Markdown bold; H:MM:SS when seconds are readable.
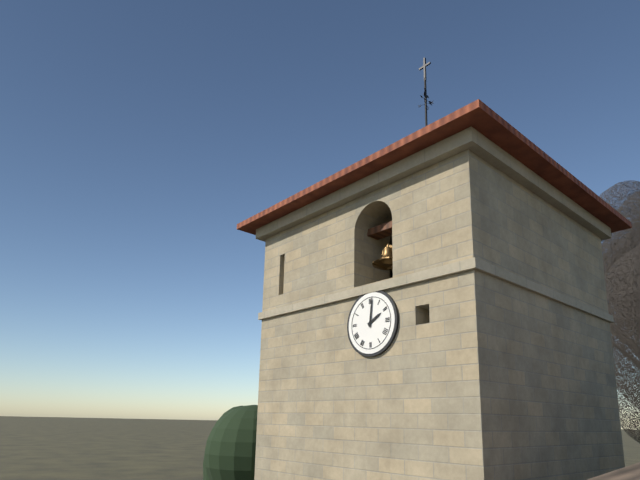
**2:01**
